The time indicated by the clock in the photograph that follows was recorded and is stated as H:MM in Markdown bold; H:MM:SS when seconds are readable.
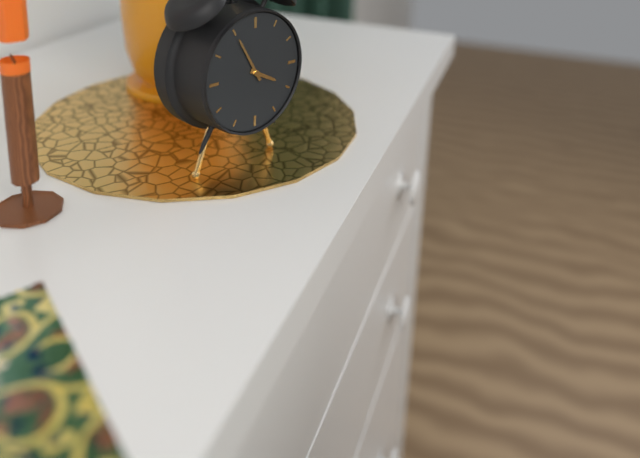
**3:55**
